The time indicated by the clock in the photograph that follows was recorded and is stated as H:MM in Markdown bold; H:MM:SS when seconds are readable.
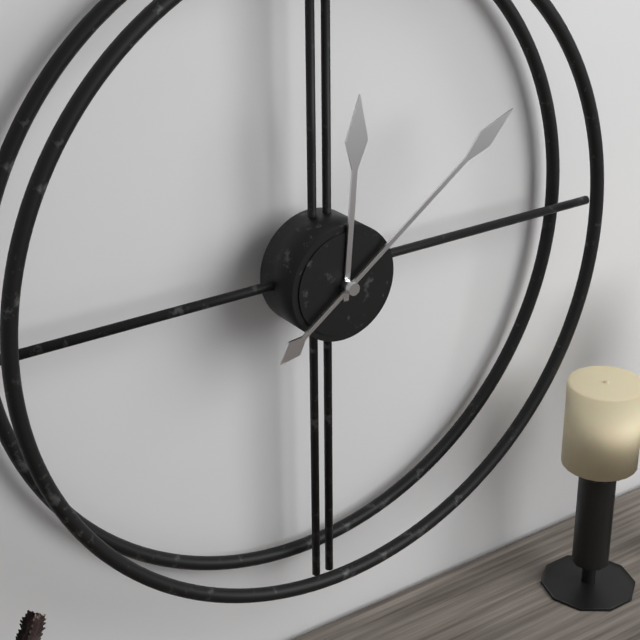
**12:09**
